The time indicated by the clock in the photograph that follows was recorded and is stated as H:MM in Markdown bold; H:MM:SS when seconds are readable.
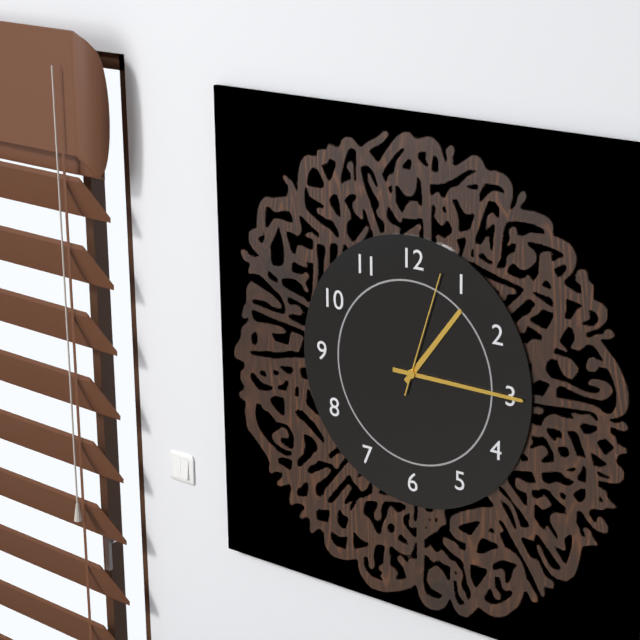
**1:15:03**
